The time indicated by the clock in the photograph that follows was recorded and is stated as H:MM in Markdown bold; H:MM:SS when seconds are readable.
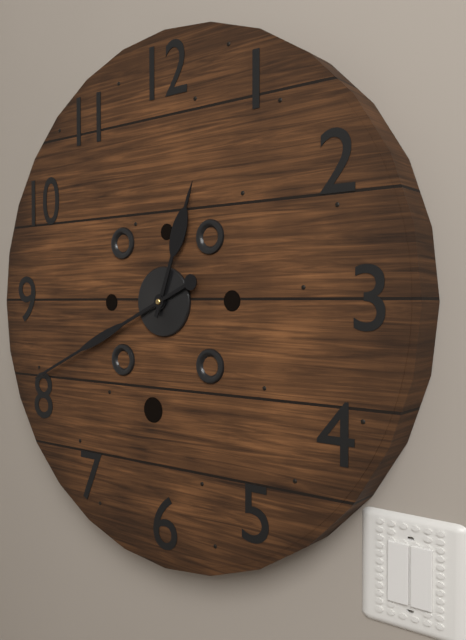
**12:41**
